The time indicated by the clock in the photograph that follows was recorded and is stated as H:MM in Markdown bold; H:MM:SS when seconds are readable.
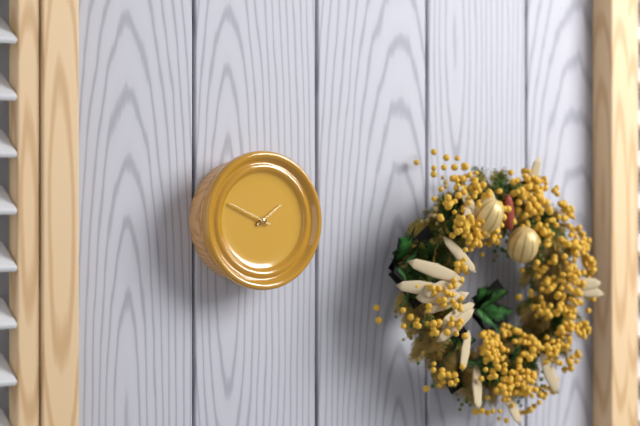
**1:49**
